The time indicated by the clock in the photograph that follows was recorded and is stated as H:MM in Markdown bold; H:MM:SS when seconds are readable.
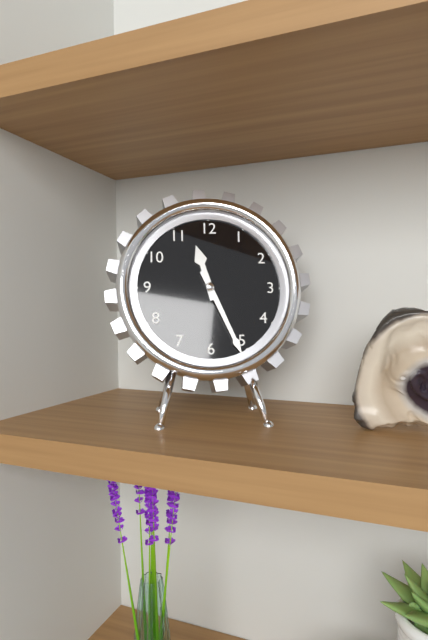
**11:26**
